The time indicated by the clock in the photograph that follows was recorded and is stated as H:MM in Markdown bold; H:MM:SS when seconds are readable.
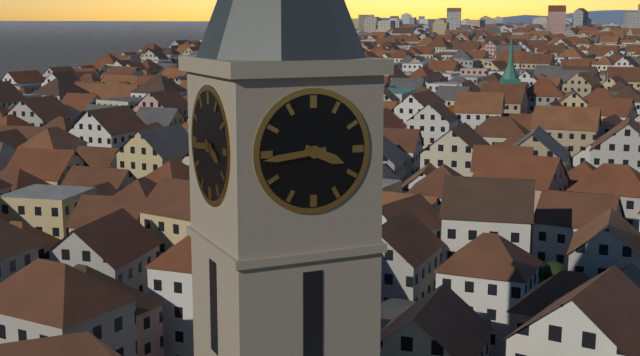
**3:44**
